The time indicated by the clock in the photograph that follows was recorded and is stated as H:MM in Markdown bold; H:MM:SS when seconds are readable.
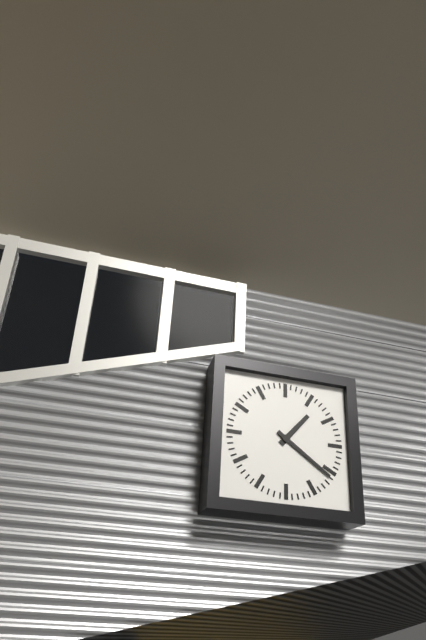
**1:21**
